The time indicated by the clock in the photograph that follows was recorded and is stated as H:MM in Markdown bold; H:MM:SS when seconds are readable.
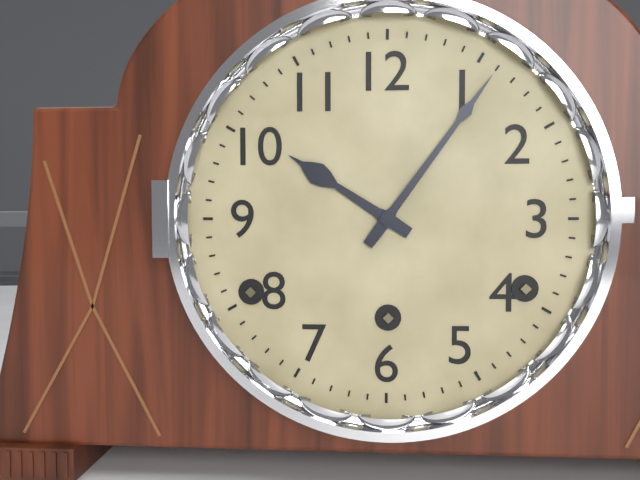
**10:06**
